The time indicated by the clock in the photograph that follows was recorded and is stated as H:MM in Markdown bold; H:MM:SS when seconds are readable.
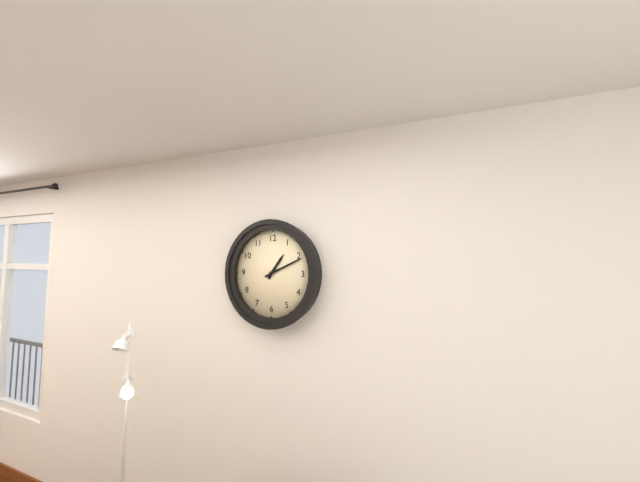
**1:11**
